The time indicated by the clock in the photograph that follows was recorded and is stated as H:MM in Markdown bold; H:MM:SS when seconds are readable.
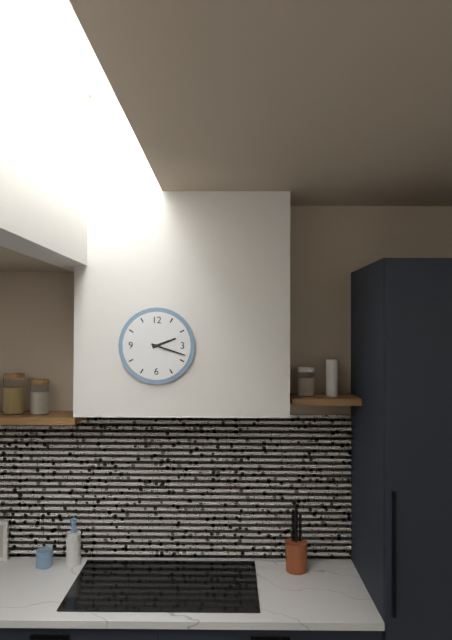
**2:18**
